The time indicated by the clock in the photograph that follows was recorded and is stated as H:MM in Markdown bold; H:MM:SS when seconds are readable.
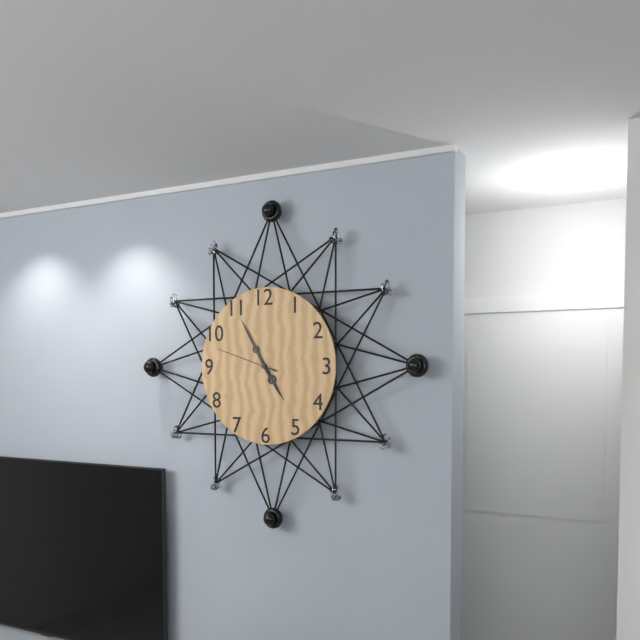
**4:55:48**
